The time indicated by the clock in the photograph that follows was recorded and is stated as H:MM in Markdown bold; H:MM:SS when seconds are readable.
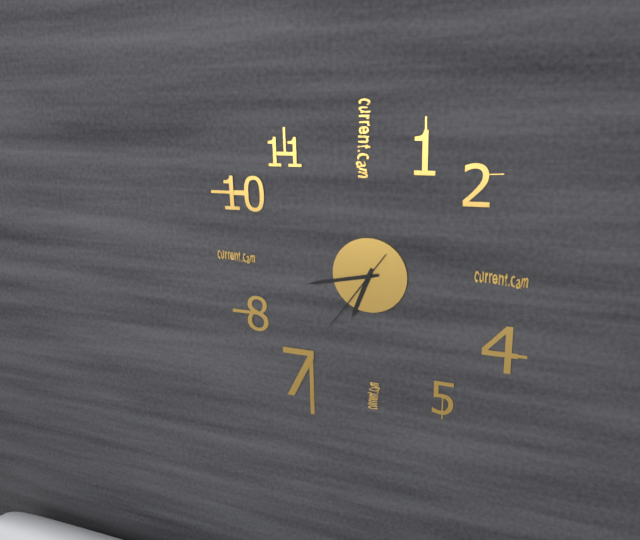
**6:43:36**
